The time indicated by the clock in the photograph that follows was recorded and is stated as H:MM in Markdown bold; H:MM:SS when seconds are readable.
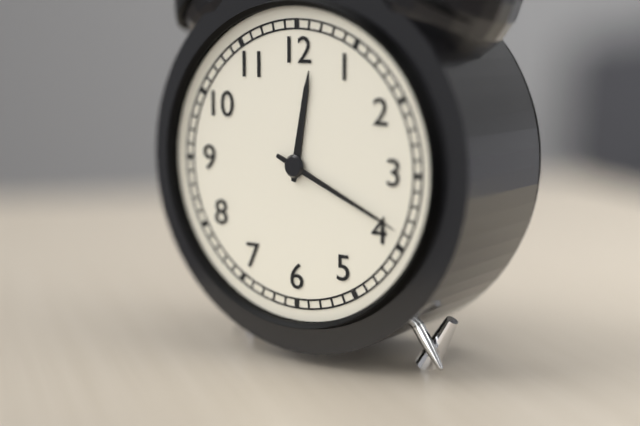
**12:19**
